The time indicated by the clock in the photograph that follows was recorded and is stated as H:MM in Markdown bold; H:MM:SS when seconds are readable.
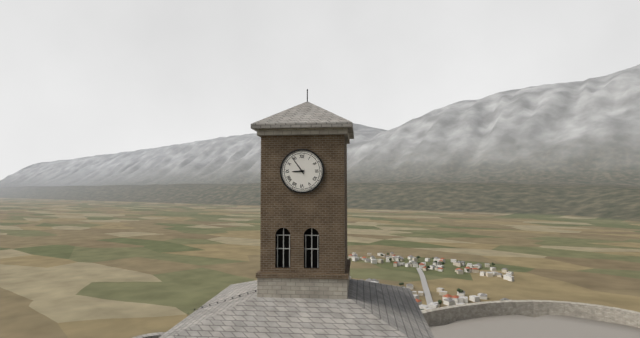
**8:54**
